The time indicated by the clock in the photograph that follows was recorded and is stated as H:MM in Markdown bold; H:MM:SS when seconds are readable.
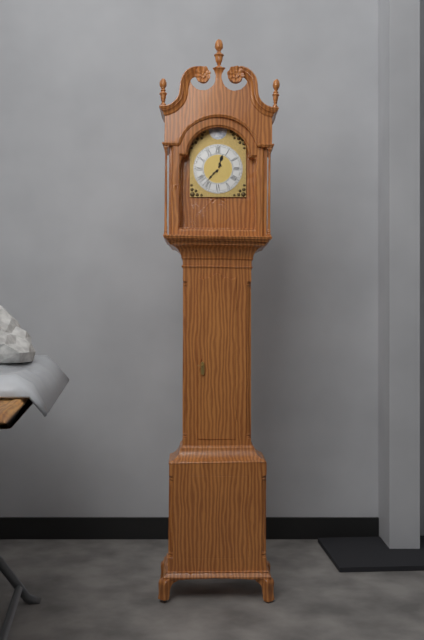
**12:37**
